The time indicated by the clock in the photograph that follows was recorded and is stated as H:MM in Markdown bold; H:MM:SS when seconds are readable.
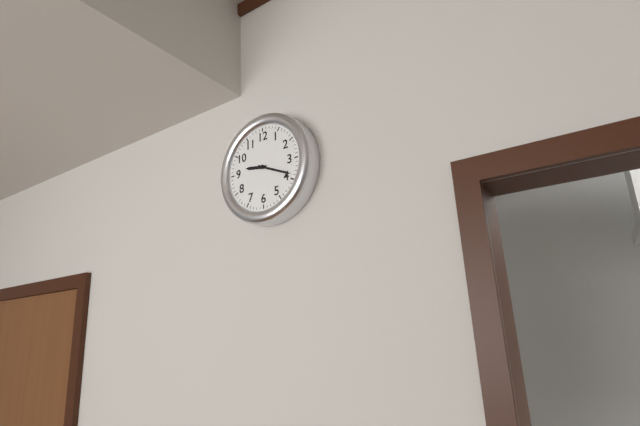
**9:19**
